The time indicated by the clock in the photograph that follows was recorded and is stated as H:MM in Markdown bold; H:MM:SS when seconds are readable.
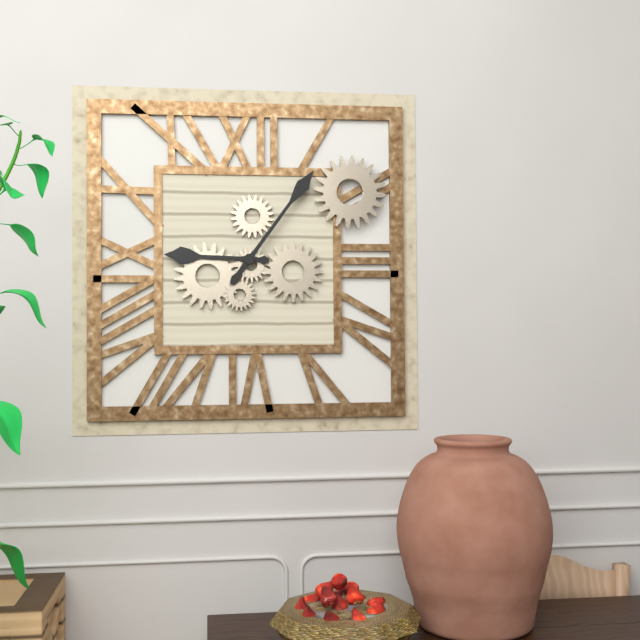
**9:06**
